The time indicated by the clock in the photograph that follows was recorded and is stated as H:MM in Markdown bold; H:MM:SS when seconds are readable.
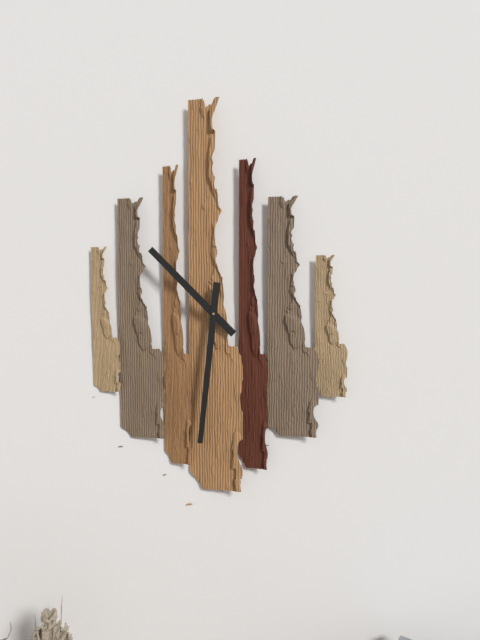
**10:31**
